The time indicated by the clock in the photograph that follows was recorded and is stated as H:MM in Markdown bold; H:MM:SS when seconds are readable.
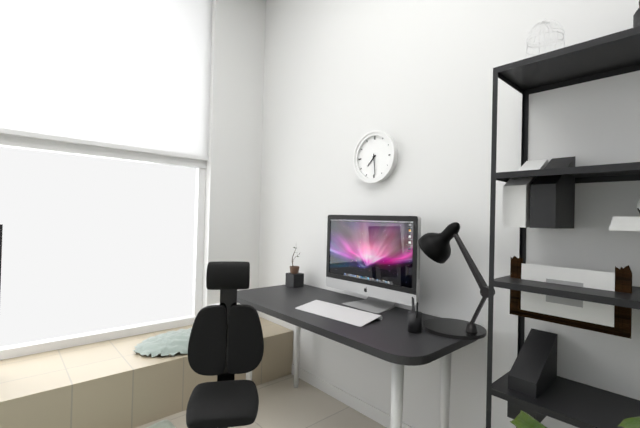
**7:29**
